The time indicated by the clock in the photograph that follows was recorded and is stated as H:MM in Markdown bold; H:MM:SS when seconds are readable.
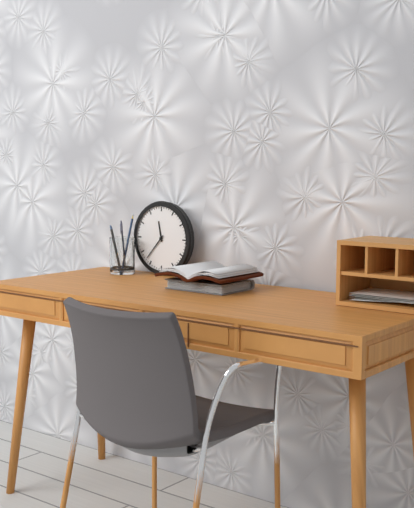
**11:37**
